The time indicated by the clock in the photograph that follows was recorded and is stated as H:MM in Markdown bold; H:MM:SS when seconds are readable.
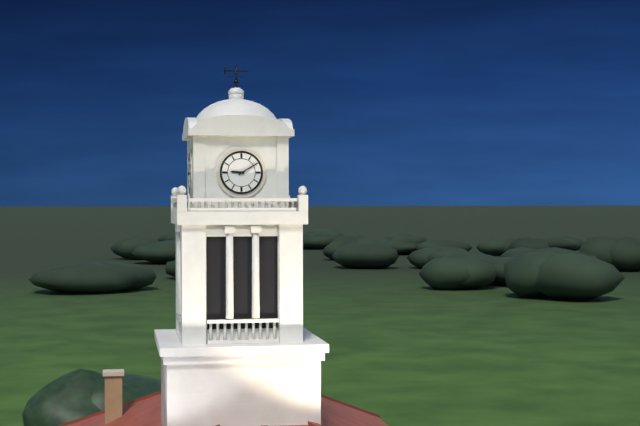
**9:10**
